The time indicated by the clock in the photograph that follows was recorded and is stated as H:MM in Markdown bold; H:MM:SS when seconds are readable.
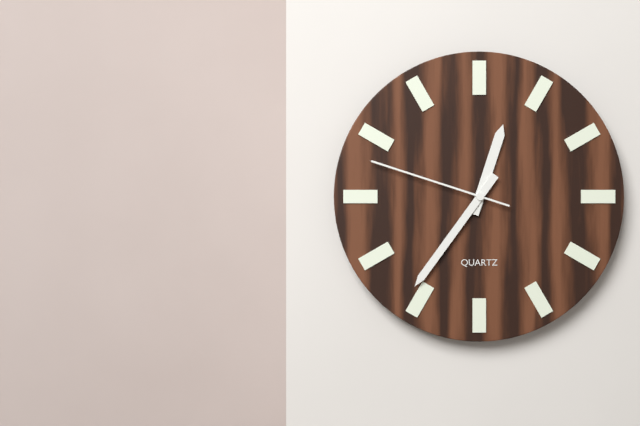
**12:36:48**
